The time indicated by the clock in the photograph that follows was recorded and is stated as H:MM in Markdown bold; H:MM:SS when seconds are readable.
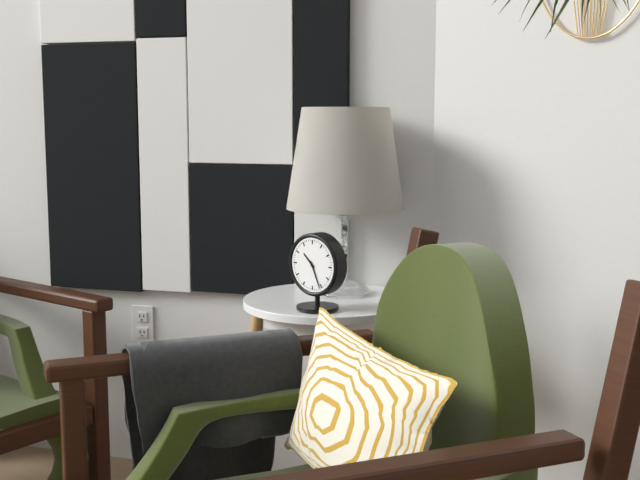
**10:26**
